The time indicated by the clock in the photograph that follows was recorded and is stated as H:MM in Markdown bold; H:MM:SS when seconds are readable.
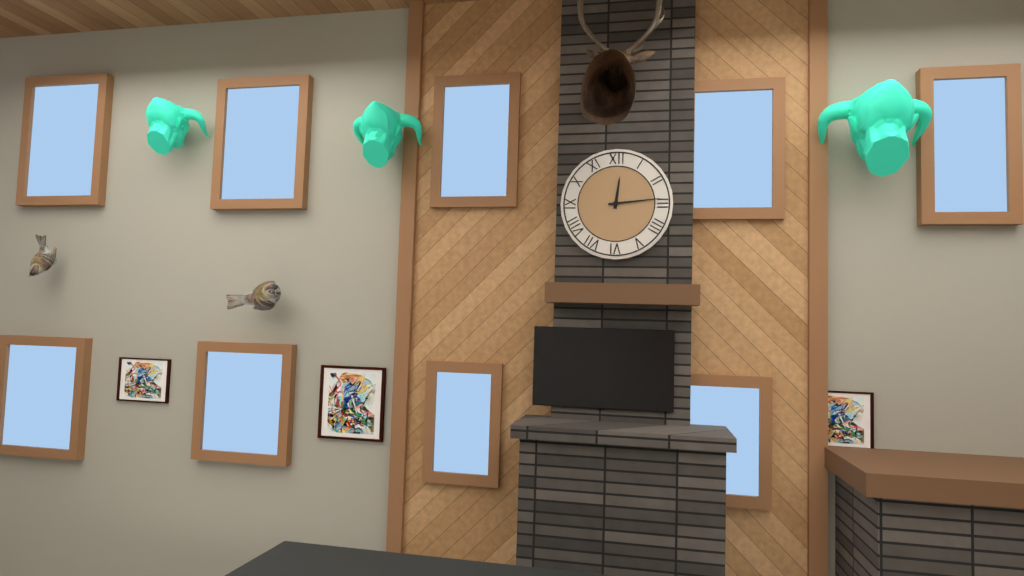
**12:14**
